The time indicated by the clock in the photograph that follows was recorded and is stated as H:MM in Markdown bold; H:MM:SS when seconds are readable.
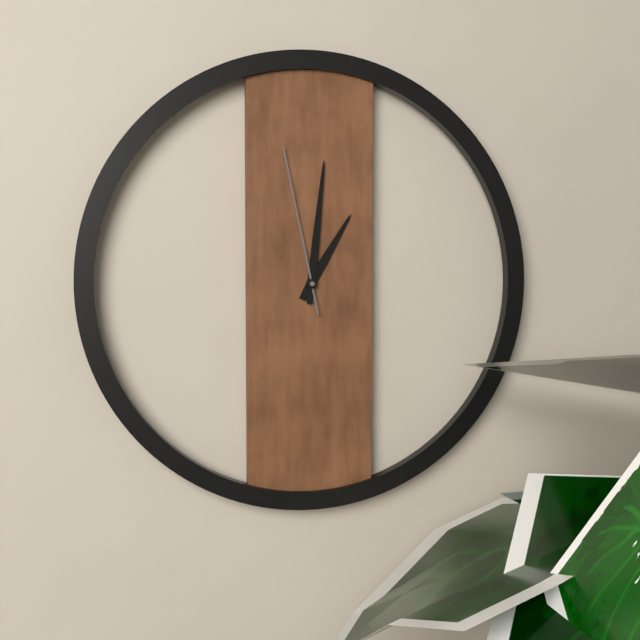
**1:01:58**
